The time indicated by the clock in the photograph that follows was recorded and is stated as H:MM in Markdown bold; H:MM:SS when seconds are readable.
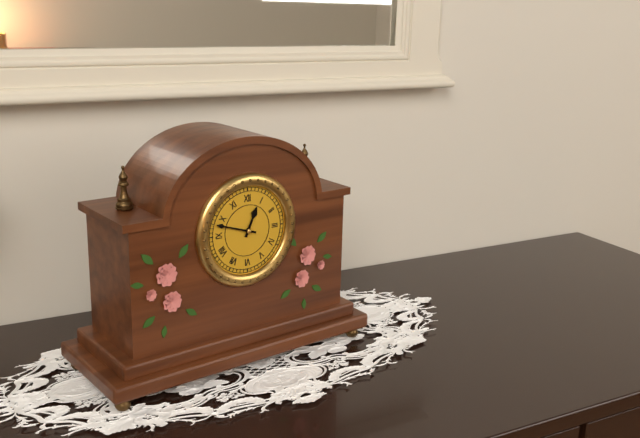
**12:48**
